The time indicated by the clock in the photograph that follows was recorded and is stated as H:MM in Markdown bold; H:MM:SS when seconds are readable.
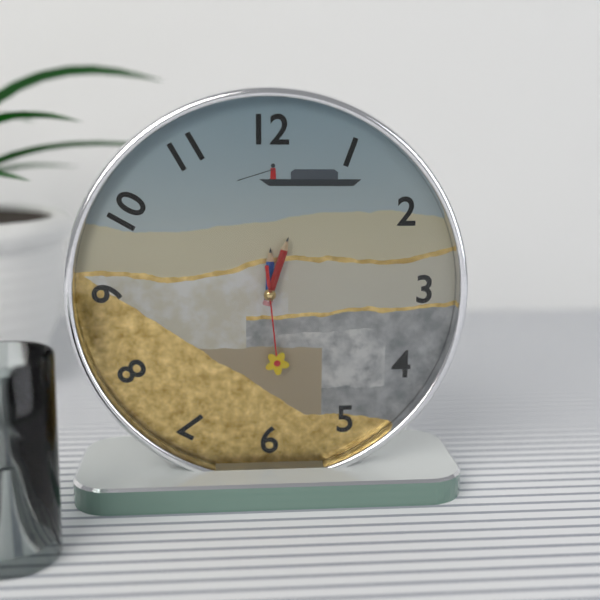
**12:03:29**
